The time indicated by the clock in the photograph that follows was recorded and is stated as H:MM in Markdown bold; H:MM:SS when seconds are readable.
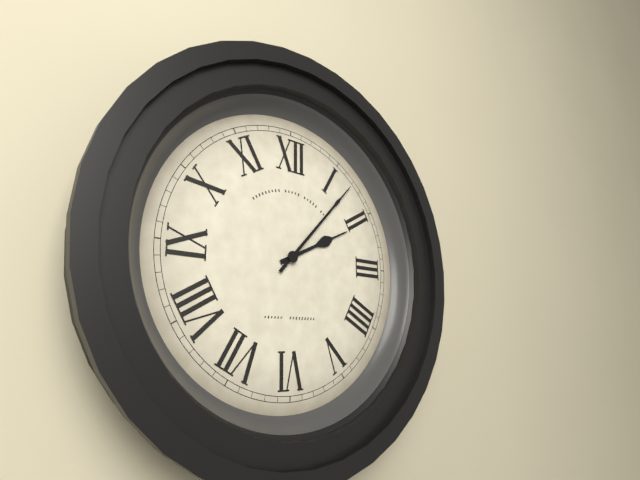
**2:07**
